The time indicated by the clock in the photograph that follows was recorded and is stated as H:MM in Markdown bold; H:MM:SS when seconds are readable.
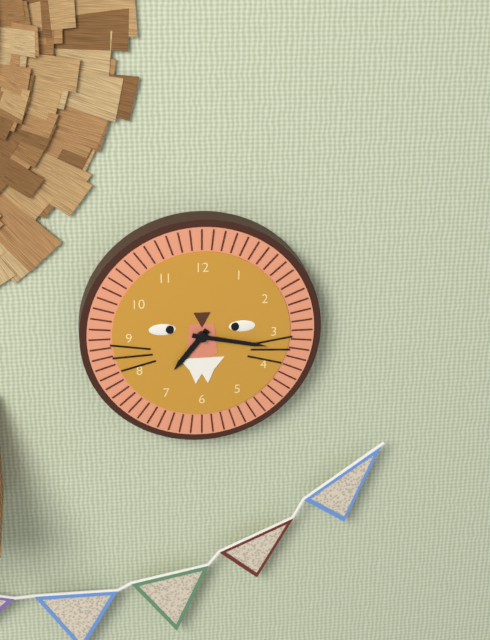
**7:17**
